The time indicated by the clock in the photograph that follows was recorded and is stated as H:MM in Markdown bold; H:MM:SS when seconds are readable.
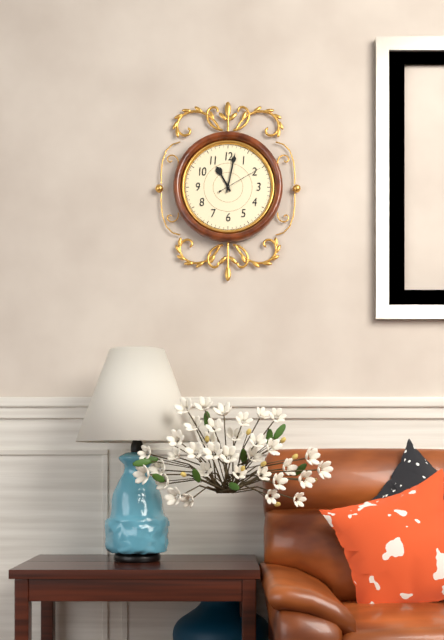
**11:02**
